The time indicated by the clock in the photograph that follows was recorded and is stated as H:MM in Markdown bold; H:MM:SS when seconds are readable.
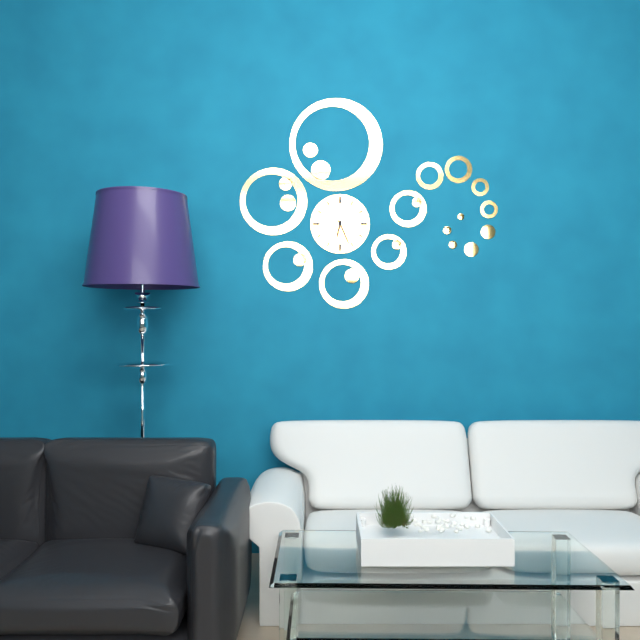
**6:26**
